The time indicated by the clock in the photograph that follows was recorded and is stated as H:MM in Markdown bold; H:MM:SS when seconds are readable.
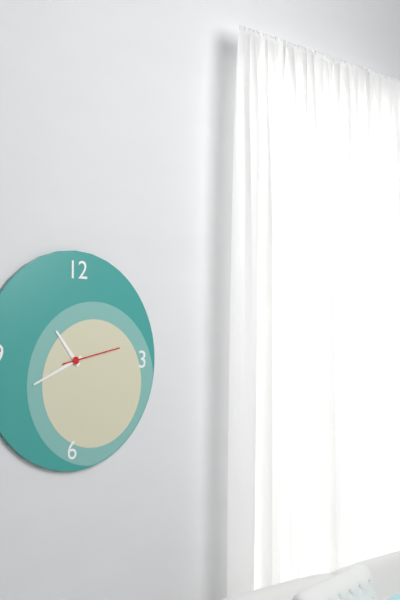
**10:41:13**
